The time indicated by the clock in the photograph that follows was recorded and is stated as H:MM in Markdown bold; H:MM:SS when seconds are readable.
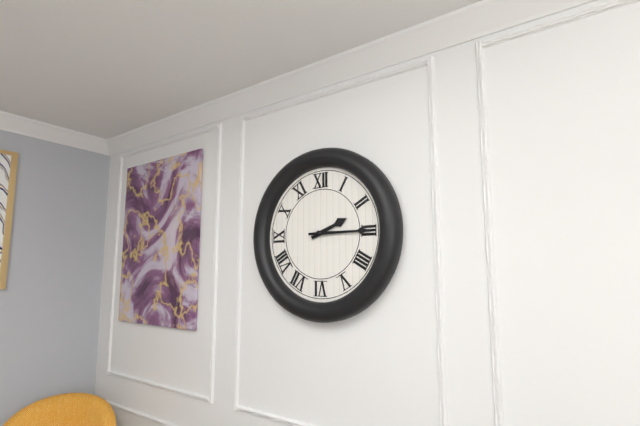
**2:15**
